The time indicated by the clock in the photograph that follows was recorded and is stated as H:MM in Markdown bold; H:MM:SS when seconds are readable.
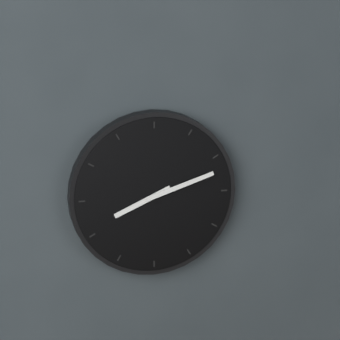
**8:12**
